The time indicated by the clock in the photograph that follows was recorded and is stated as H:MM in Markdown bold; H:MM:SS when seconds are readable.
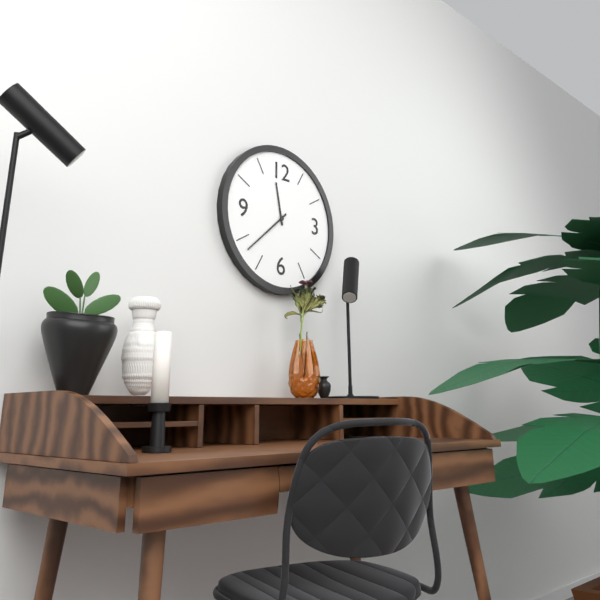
**11:38**
